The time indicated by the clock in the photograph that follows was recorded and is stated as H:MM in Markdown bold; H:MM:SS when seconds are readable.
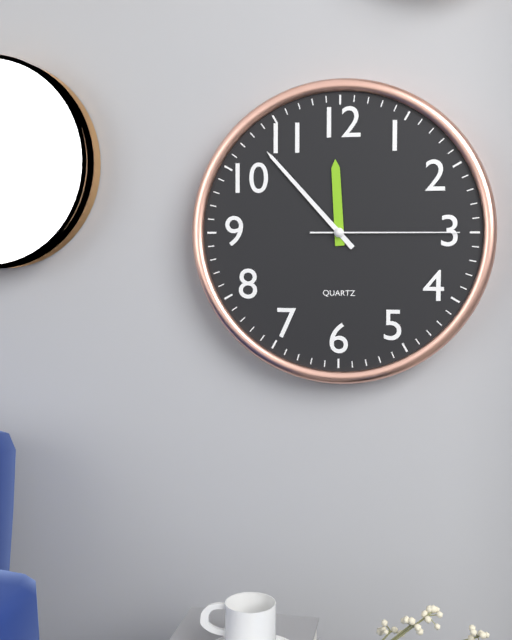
**11:53:15**
